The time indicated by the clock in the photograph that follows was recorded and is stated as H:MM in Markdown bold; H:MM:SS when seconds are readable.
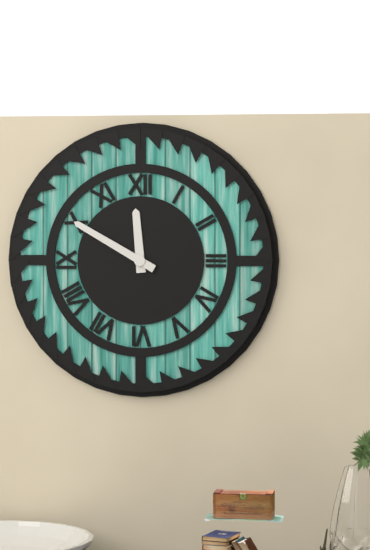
**11:50**
